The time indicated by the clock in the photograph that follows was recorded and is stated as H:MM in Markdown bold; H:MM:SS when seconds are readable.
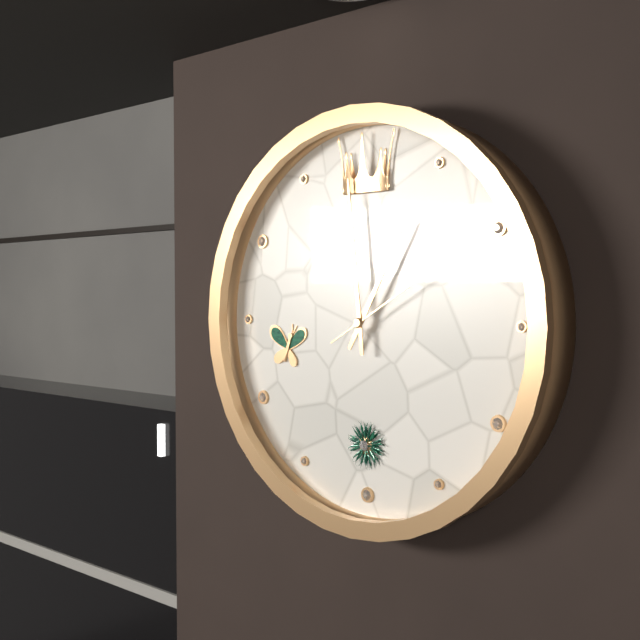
**12:59:10**
